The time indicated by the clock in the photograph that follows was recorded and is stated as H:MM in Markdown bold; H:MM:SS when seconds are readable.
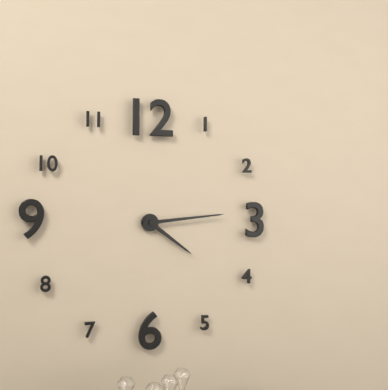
**4:14**
